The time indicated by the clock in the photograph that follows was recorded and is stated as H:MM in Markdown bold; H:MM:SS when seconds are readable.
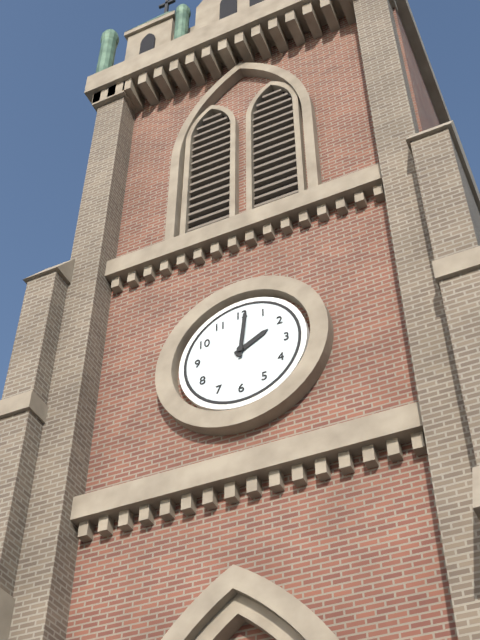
**2:01**
